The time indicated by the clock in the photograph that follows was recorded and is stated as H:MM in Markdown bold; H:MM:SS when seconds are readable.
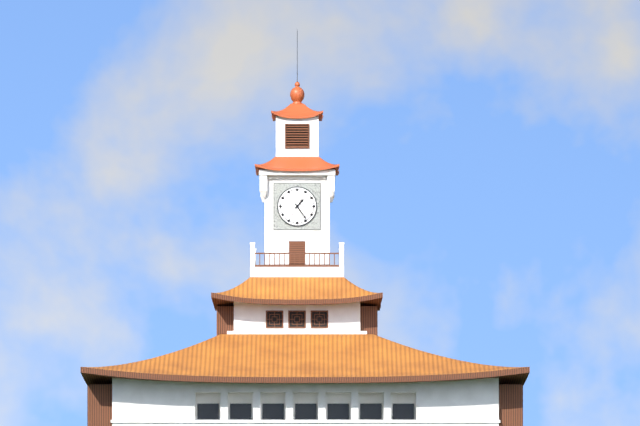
**1:24**
